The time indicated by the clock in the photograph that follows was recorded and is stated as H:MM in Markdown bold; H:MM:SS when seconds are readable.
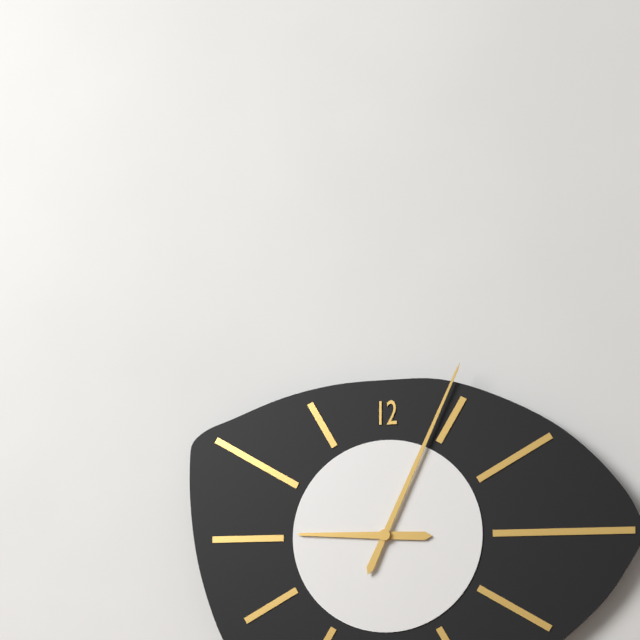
**9:04**
